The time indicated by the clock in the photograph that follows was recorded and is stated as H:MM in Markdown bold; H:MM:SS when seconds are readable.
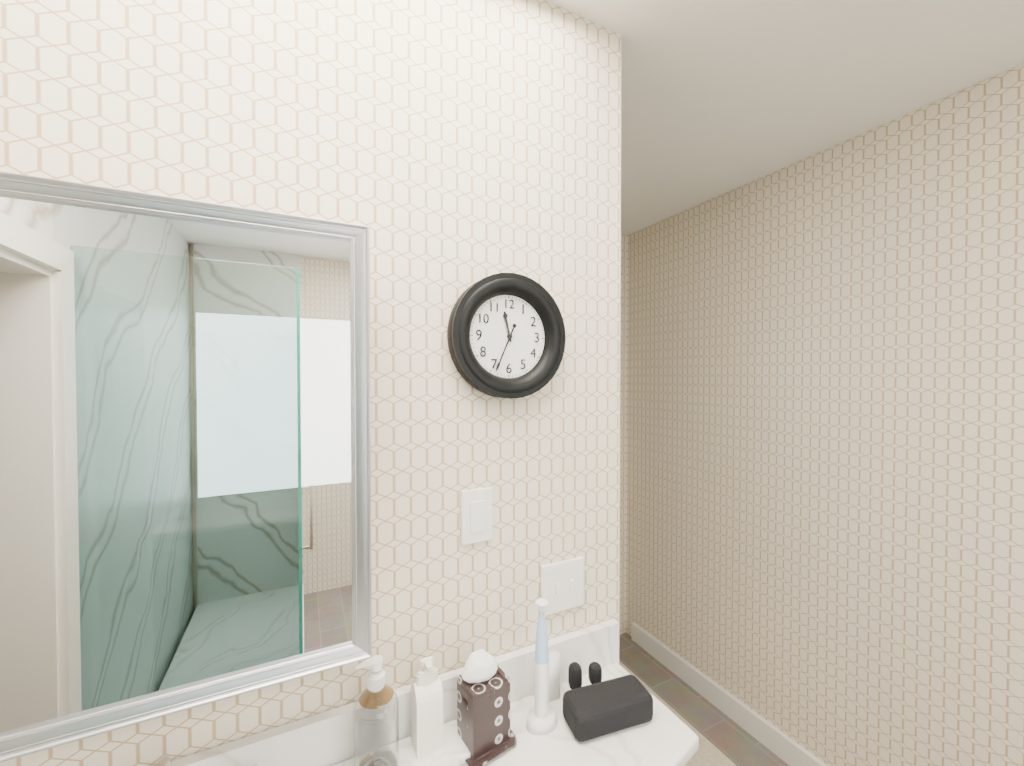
**11:34**
